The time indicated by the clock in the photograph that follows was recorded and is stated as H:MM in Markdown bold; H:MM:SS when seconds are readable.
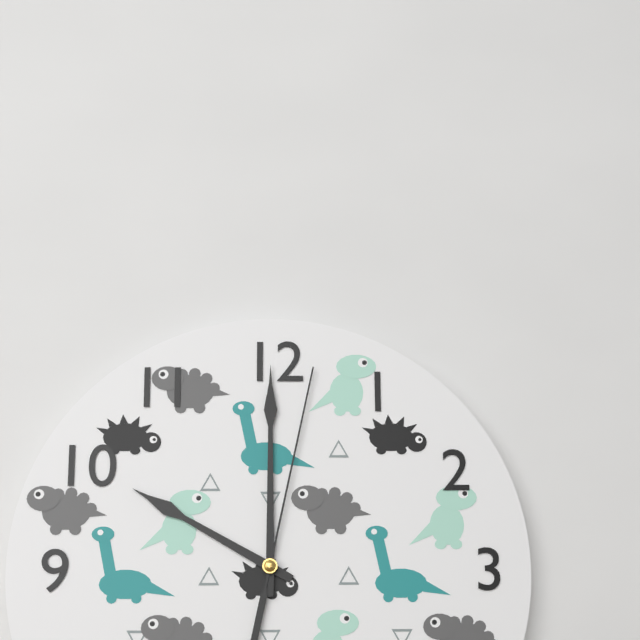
**10:00:02**
